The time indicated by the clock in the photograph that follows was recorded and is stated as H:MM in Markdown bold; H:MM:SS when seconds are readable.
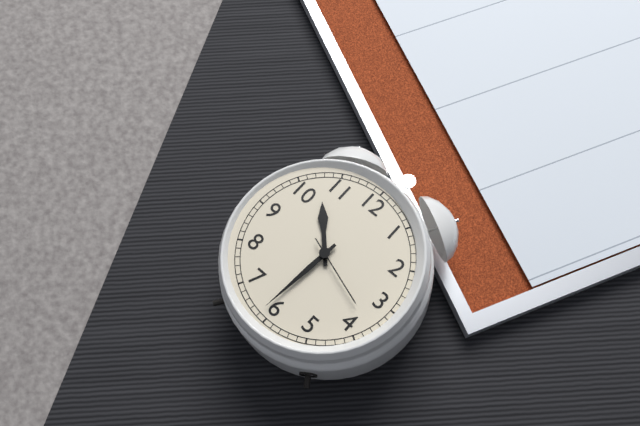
**10:31:18**
